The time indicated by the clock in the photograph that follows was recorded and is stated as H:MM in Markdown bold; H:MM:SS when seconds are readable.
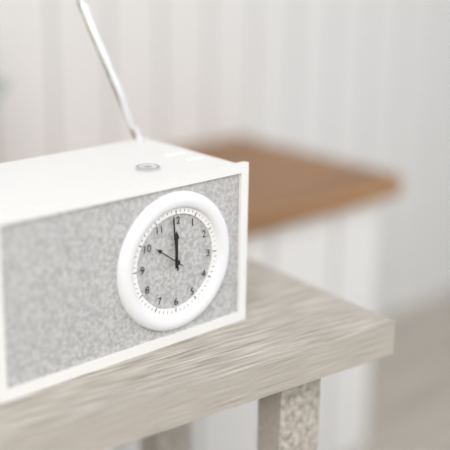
**11:59**
